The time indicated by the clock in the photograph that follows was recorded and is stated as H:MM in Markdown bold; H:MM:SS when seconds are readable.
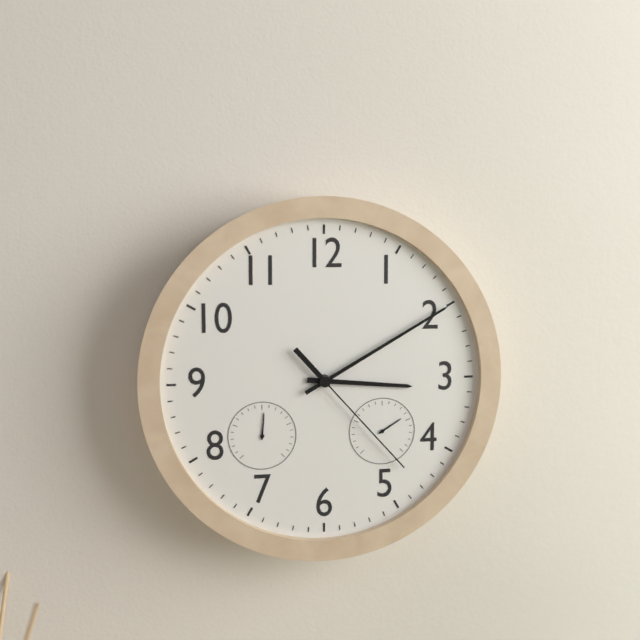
**3:10:23**
